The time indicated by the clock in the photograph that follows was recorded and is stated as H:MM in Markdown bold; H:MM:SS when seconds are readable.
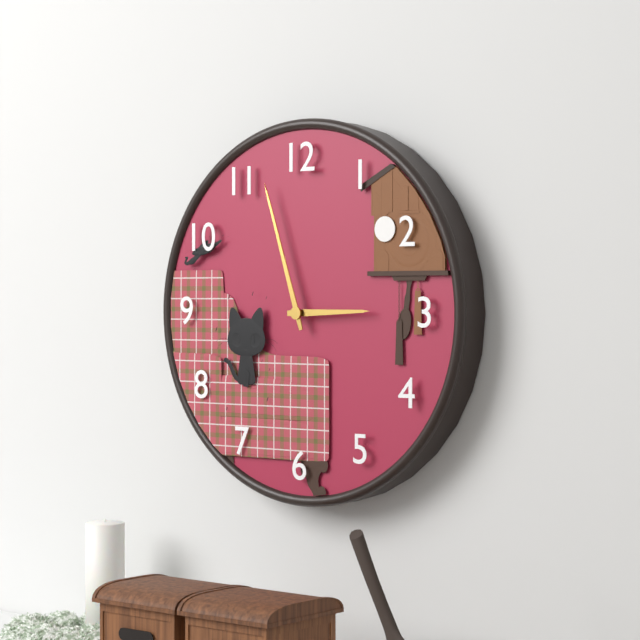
**2:57**
